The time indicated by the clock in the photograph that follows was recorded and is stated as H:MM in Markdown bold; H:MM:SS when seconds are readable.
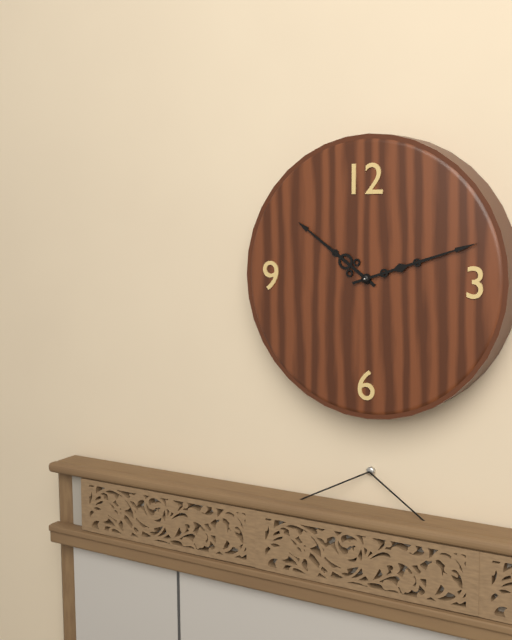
**10:12**
